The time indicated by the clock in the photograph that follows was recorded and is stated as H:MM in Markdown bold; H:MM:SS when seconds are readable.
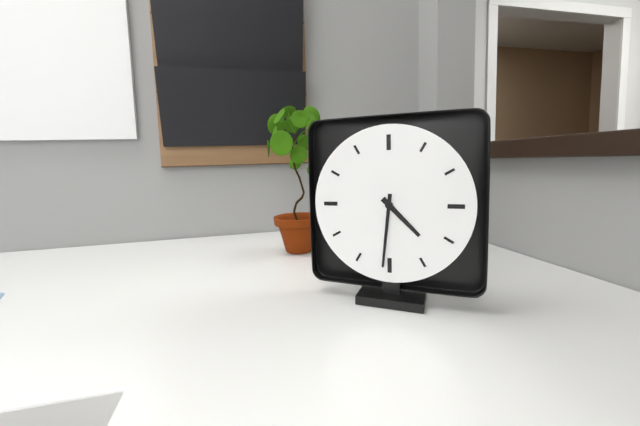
**4:31**
